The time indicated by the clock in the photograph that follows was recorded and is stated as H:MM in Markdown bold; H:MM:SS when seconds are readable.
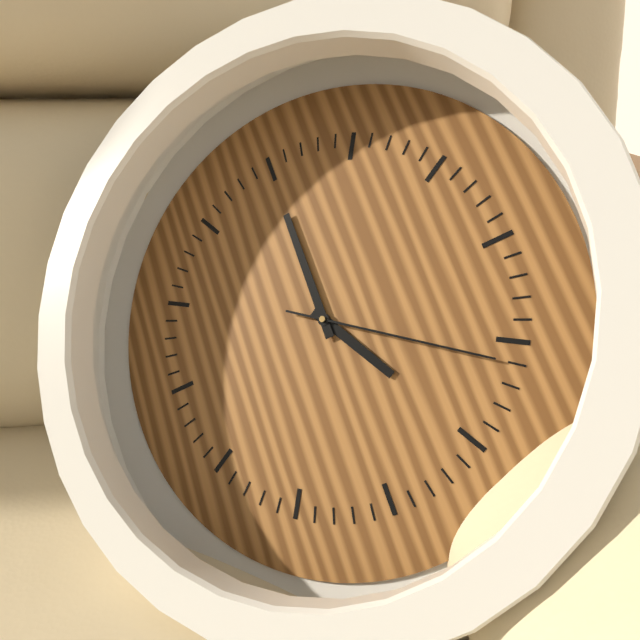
**5:00:21**
